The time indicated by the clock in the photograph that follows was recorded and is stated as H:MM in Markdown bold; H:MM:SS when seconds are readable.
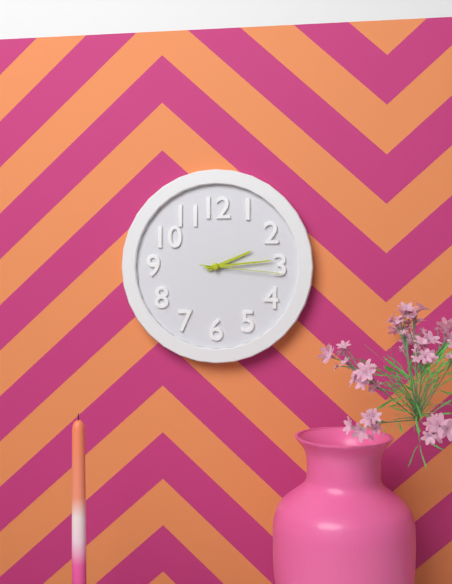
**2:14:16**
